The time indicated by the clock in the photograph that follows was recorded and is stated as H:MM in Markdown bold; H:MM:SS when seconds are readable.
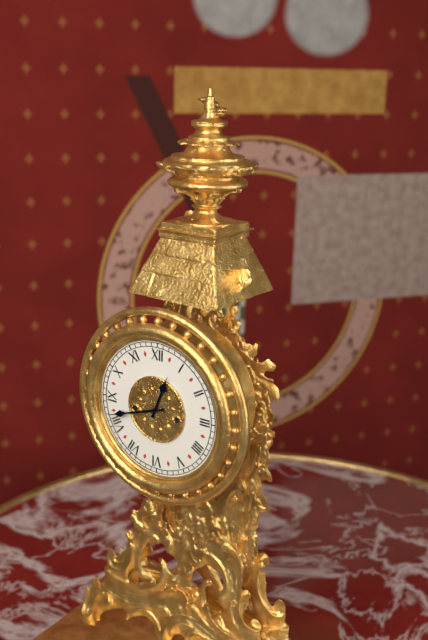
**12:42**
